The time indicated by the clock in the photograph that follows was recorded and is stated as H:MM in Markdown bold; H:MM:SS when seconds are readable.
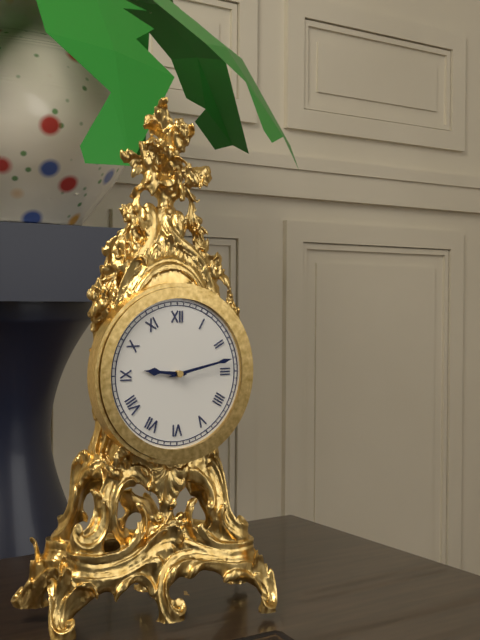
**9:13**
